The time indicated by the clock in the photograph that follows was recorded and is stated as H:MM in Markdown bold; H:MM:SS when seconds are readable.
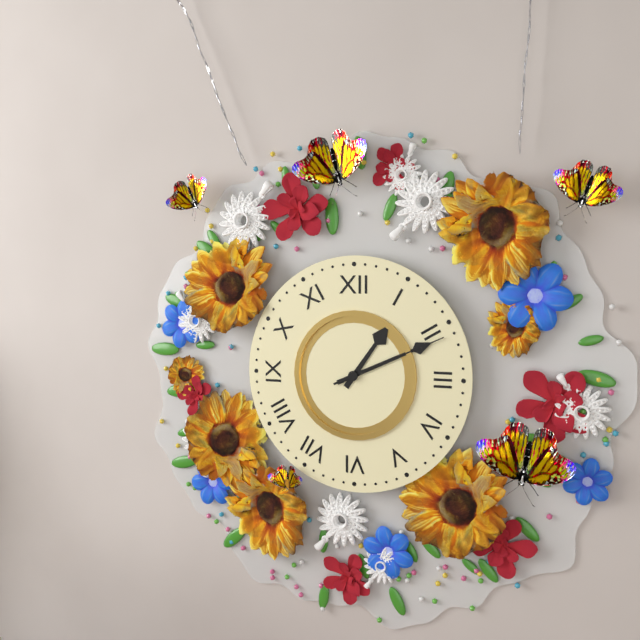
**1:11:11**
